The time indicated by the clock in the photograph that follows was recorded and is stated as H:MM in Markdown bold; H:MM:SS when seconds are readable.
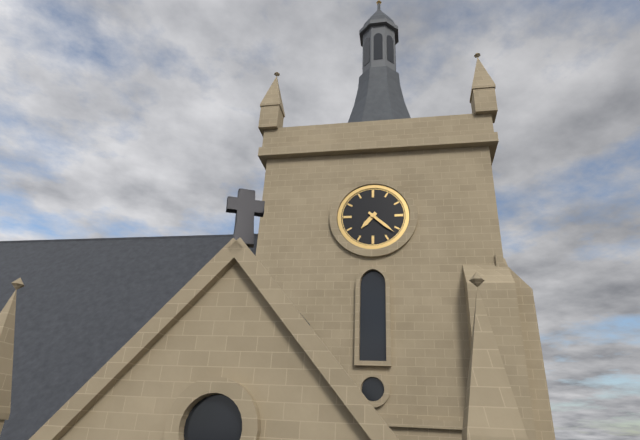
**7:22**
